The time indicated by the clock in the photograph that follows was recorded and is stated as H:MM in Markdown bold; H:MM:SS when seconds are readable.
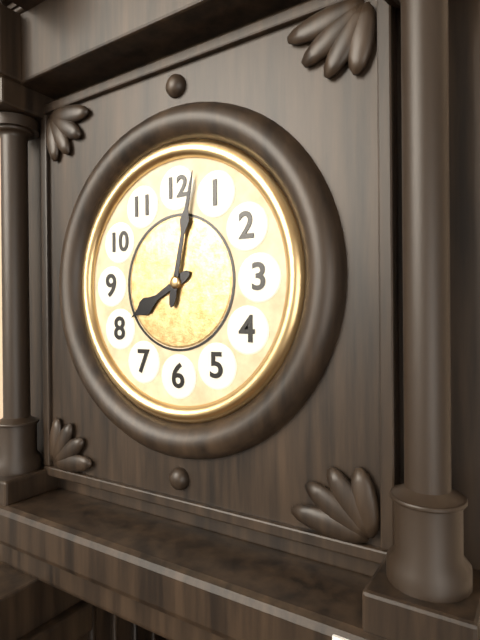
**8:02**
